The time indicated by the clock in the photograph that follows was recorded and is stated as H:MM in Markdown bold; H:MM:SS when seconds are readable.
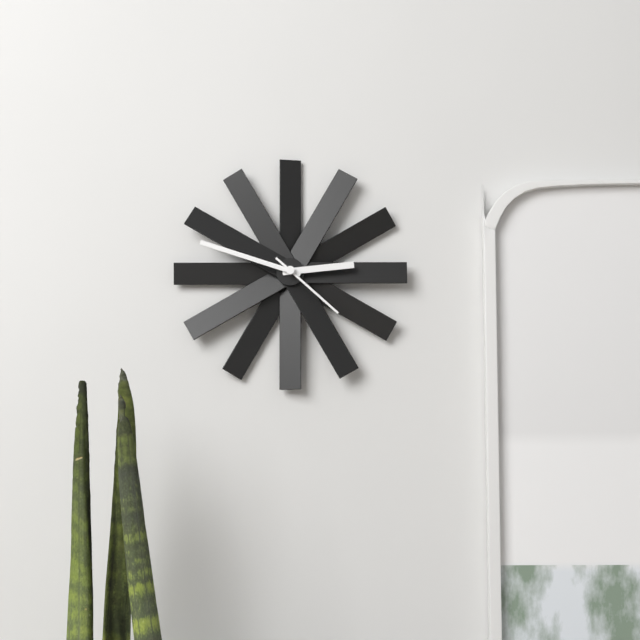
**2:48:22**
